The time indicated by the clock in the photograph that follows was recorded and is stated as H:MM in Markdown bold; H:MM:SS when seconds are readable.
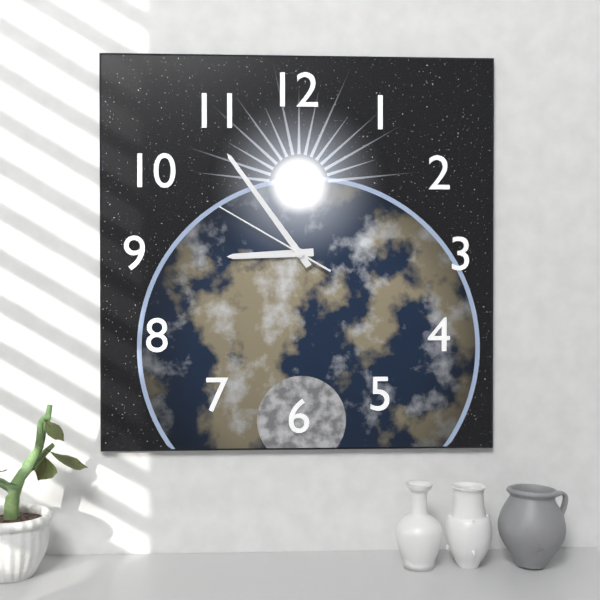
**8:54:50**
